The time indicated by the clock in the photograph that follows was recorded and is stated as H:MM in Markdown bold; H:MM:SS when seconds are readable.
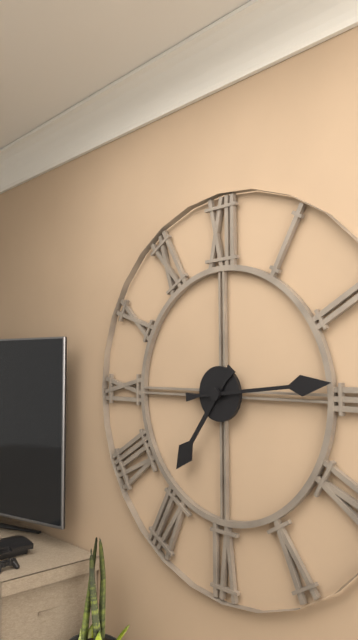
**7:14**
